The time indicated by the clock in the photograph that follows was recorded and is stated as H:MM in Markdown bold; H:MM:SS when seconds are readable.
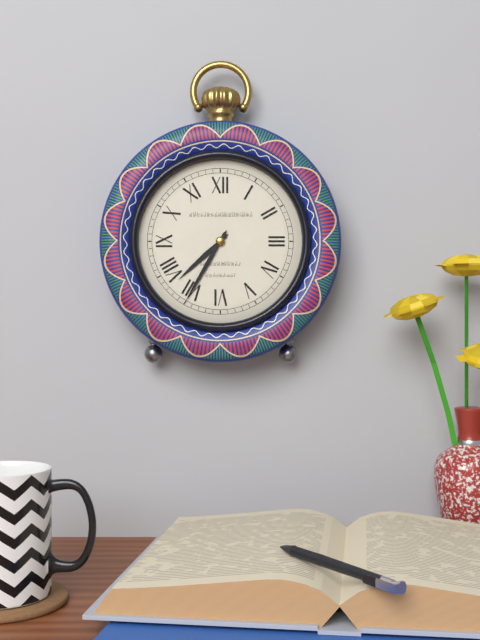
**7:35**
